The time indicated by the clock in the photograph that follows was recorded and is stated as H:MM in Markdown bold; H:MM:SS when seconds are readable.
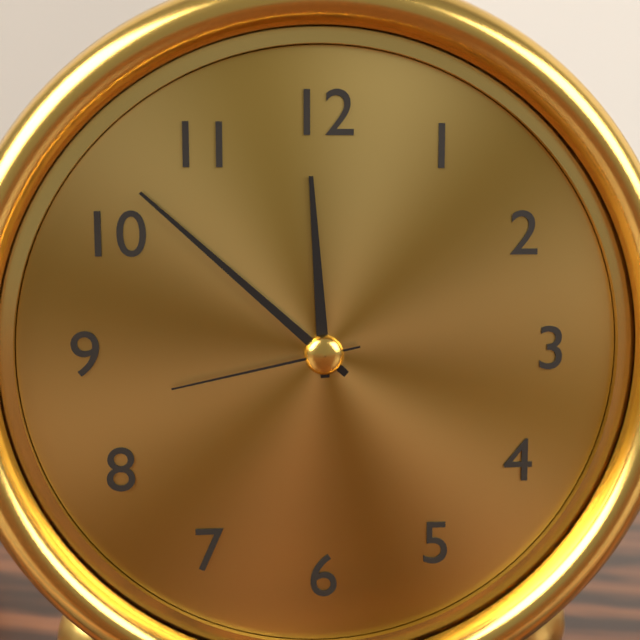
**11:52:43**
